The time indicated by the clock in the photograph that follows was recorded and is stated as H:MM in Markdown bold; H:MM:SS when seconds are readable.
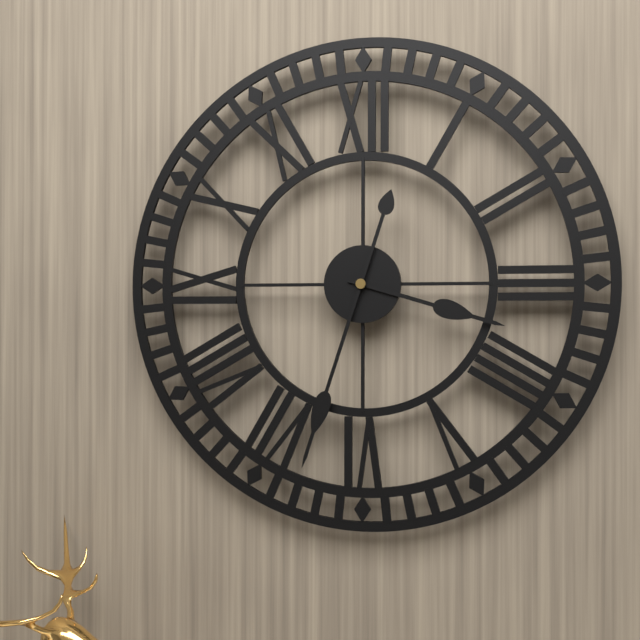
**3:33**
